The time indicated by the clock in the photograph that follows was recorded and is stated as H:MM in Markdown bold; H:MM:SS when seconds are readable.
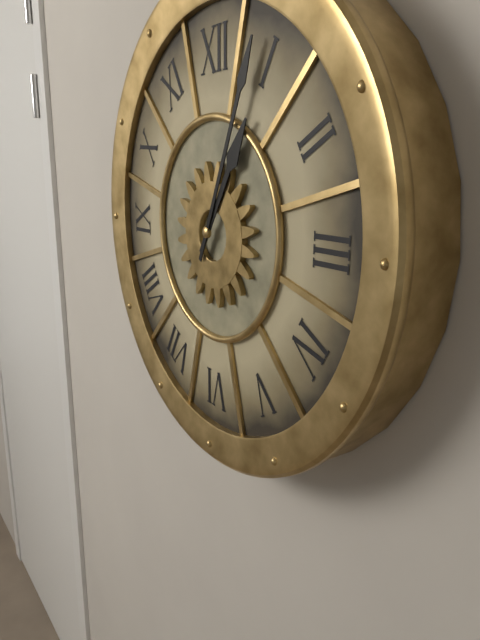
**1:04**
